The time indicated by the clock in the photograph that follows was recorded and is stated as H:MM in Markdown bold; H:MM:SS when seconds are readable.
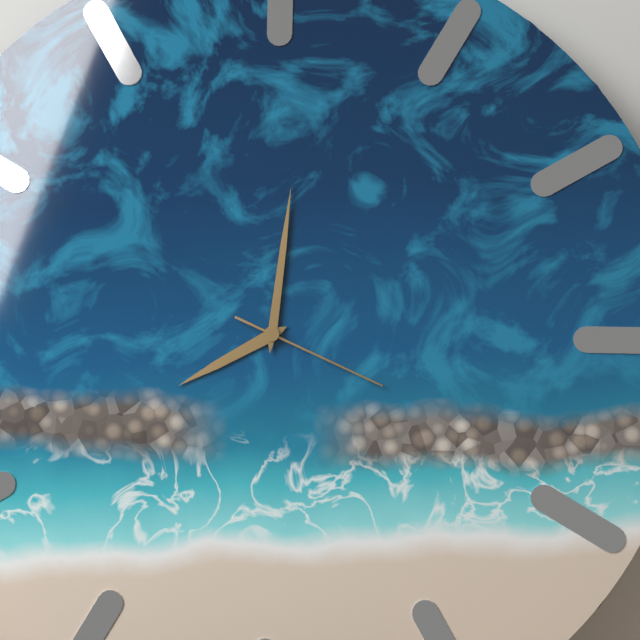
**8:01:19**
